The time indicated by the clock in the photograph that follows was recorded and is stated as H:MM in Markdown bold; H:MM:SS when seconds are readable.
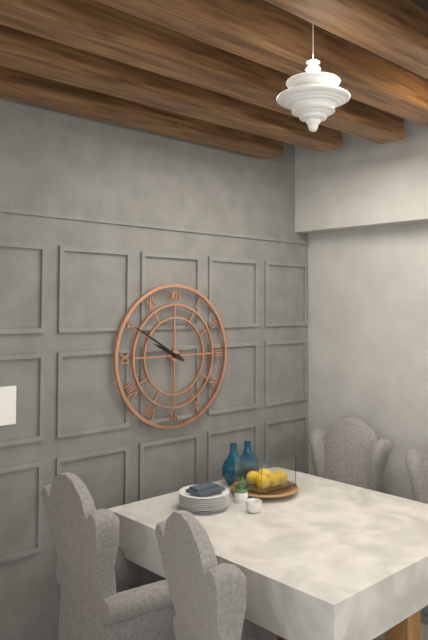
**9:50**
